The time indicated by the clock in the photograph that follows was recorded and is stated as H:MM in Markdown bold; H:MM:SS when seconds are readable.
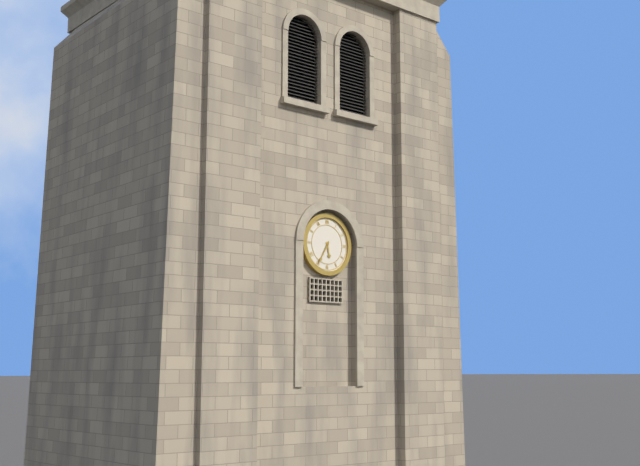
**5:35**
